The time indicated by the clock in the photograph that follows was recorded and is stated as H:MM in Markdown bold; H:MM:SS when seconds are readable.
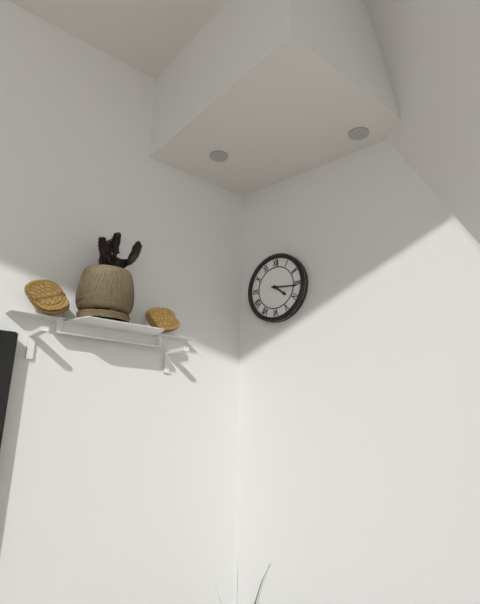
**4:16**
